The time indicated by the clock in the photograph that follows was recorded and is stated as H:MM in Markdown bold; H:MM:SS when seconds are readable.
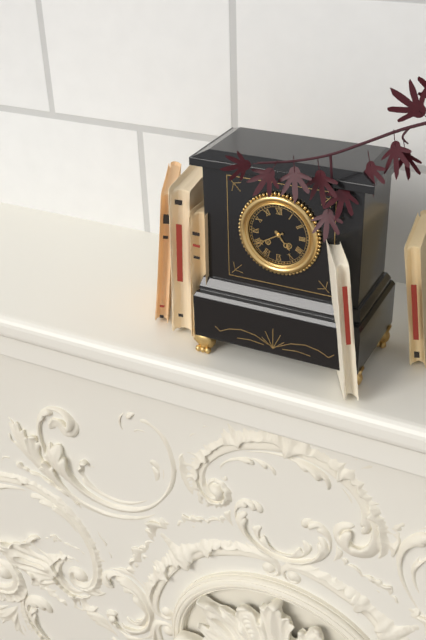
**4:40**
